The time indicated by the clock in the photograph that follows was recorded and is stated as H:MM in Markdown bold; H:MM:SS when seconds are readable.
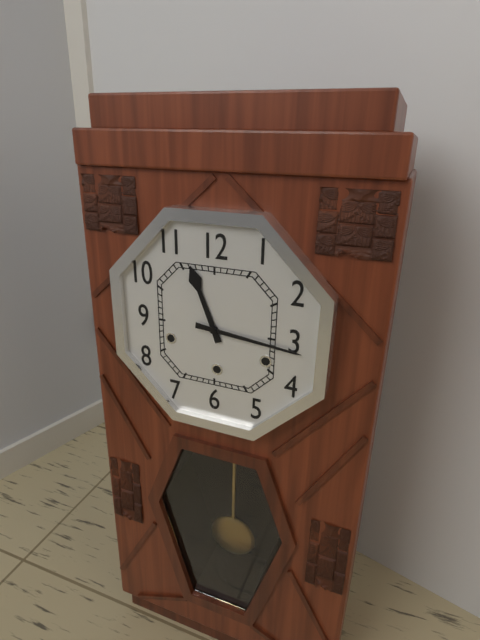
**11:16**
